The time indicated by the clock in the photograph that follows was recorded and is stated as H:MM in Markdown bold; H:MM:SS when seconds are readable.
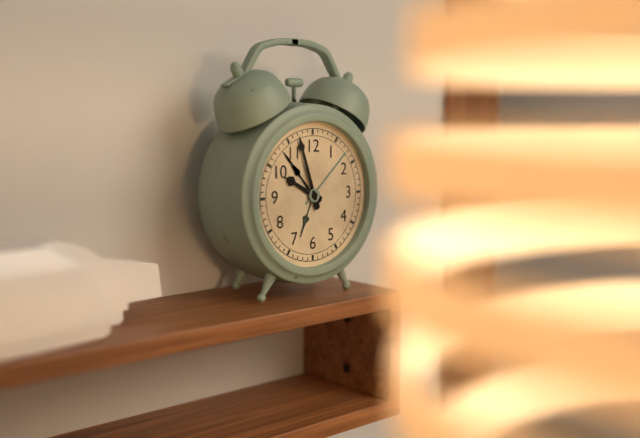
**9:57**
